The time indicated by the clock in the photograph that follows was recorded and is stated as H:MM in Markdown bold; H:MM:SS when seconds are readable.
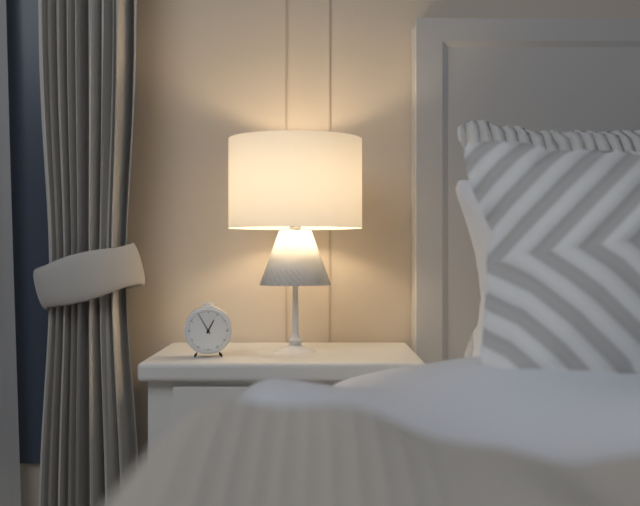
**12:55**
